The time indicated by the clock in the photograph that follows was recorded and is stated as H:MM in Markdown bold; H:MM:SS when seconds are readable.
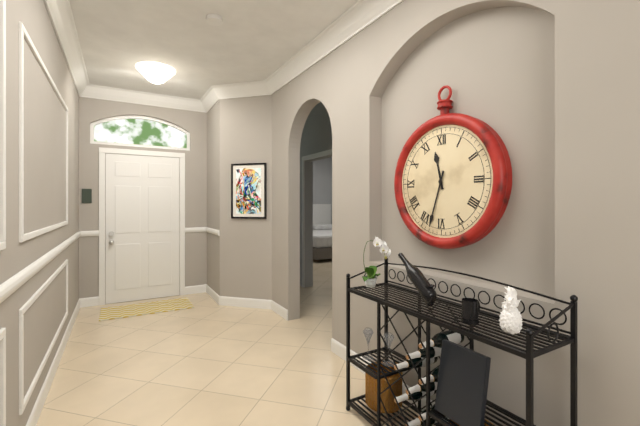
**11:33**
